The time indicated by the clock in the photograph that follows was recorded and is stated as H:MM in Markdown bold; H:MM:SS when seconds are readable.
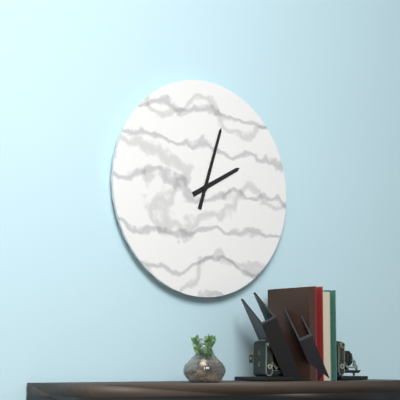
**2:03**
